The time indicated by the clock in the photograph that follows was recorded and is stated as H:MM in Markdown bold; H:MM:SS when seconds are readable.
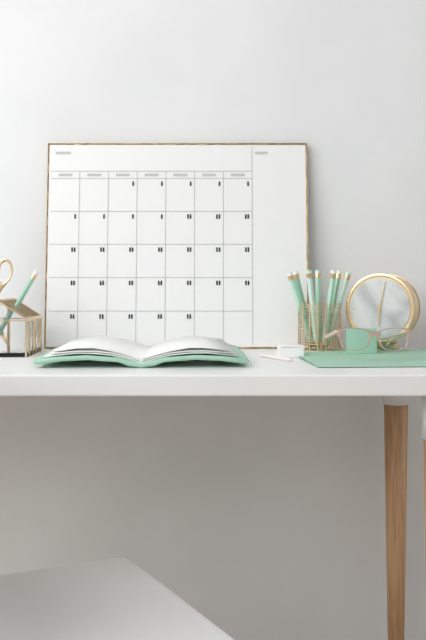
**6:02**
